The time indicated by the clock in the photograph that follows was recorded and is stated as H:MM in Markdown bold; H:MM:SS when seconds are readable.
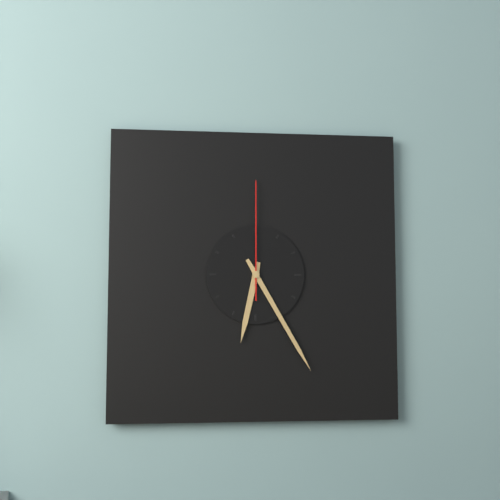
**6:25:00**
